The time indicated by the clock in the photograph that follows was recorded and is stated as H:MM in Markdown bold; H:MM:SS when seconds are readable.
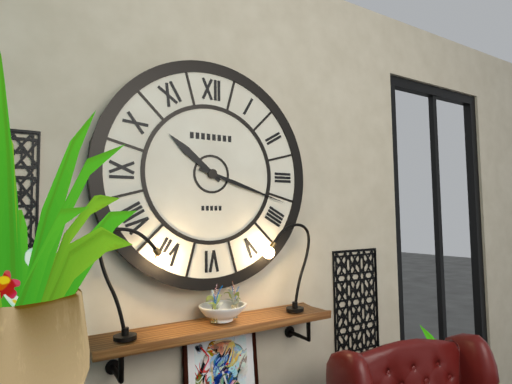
**10:18**
